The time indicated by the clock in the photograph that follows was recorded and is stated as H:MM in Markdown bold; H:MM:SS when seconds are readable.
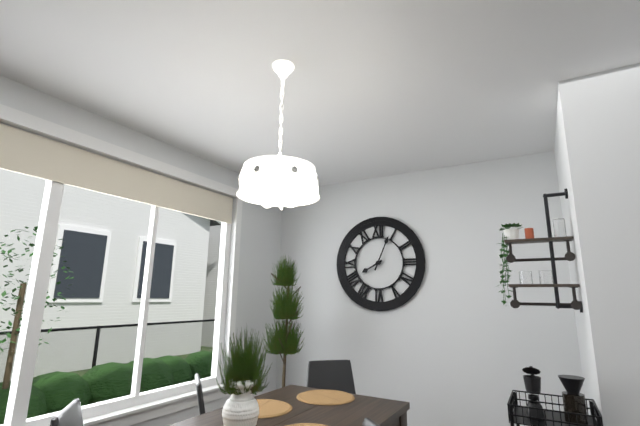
**8:04**
